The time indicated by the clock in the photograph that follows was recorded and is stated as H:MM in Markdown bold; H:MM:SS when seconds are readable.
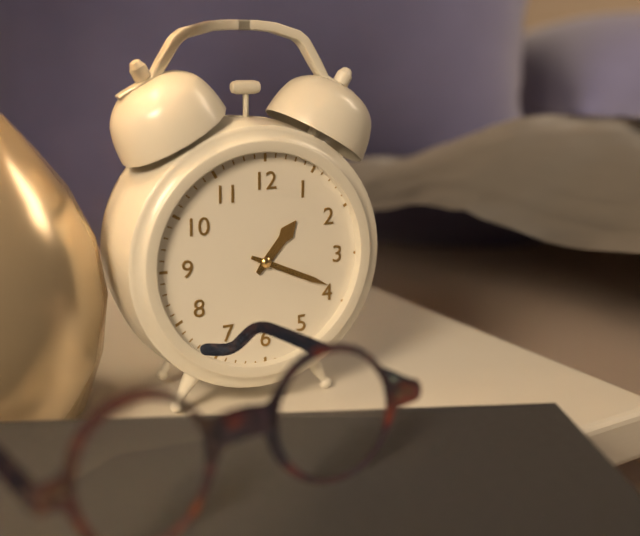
**1:19**
